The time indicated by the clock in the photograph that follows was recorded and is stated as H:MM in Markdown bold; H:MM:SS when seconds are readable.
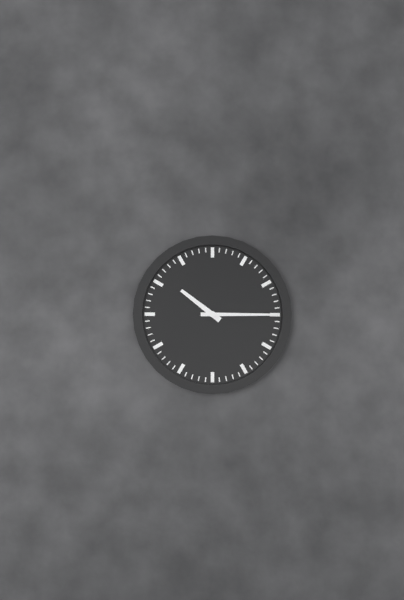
**10:15**
